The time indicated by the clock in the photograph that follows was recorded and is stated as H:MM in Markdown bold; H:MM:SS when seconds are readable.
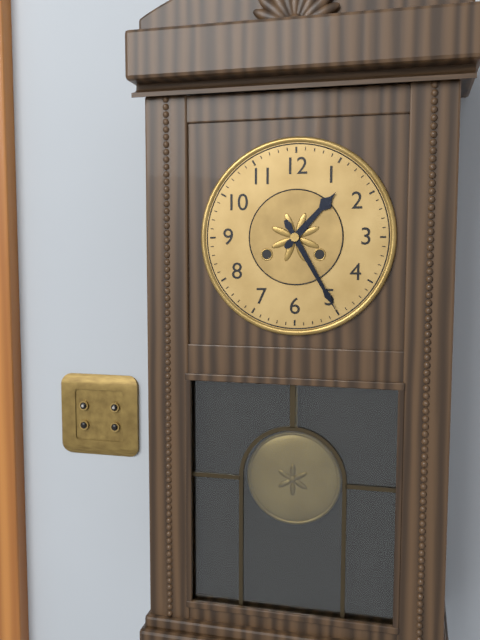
**1:25**
